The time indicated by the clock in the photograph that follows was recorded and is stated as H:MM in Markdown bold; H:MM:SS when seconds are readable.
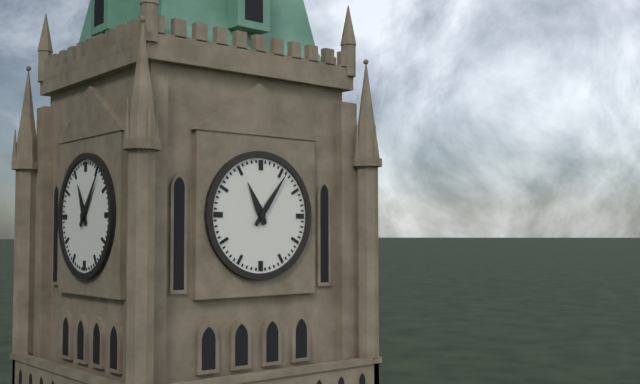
**11:06**
